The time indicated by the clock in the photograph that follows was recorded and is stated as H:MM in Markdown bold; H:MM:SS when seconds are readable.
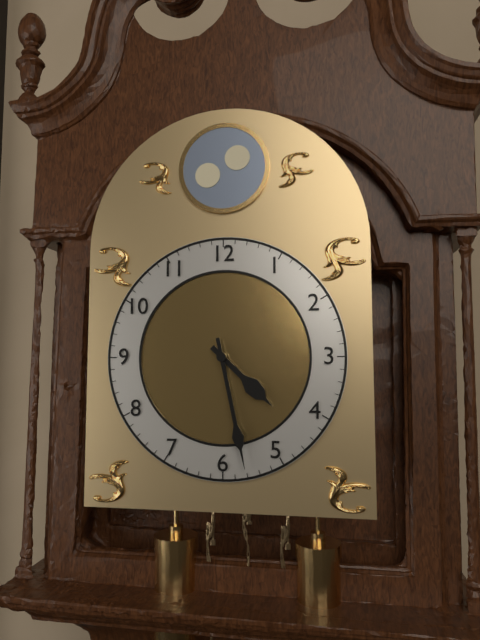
**4:28**
